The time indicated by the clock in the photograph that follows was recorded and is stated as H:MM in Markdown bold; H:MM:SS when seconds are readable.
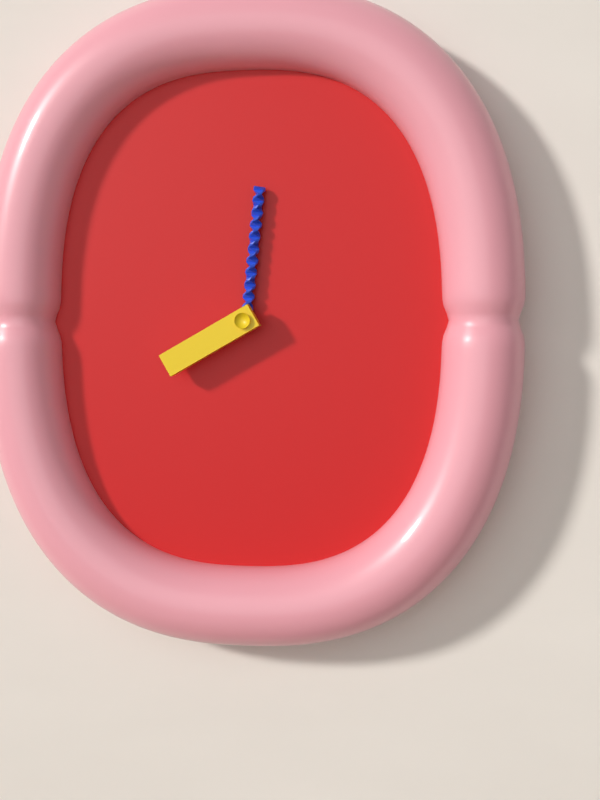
**8:01**
